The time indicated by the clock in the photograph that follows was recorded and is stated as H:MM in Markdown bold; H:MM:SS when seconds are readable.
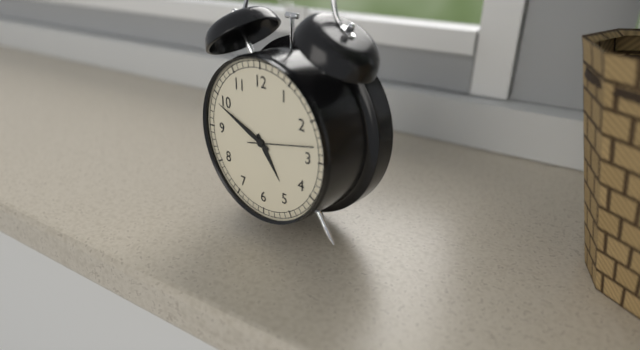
**4:49**
